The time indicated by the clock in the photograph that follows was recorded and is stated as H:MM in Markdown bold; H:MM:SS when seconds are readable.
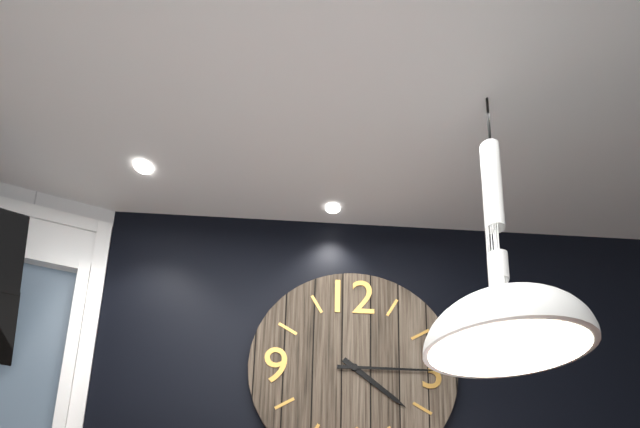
**4:15**
